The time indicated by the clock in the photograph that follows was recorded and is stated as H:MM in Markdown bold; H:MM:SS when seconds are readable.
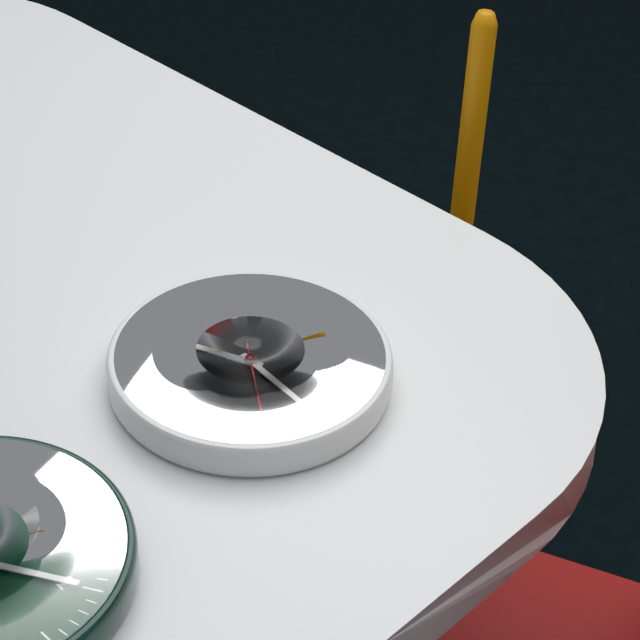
**8:16:21**
